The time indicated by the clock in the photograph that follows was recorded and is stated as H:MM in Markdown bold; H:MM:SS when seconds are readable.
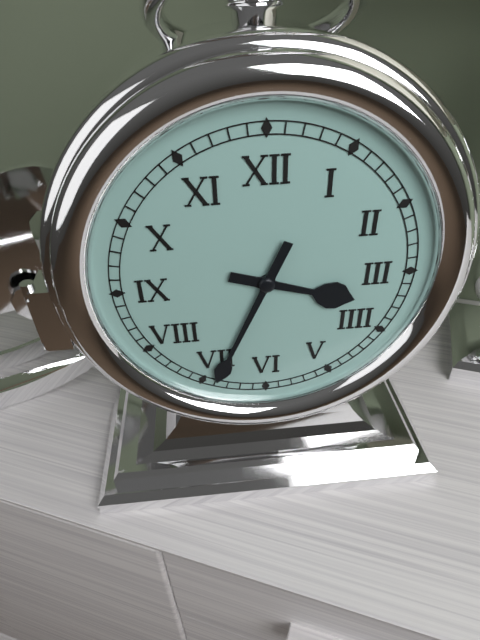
**3:34**
